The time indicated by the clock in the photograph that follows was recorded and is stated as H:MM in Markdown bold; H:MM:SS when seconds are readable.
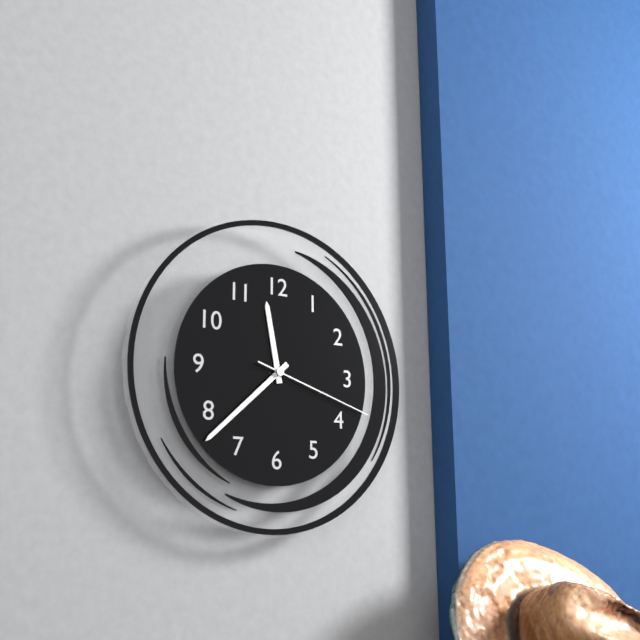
**11:38:18**
